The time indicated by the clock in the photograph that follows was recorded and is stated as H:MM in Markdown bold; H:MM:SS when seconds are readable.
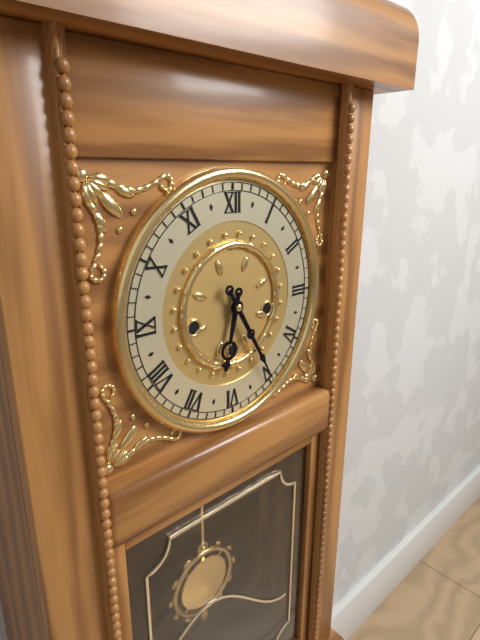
**6:25**
